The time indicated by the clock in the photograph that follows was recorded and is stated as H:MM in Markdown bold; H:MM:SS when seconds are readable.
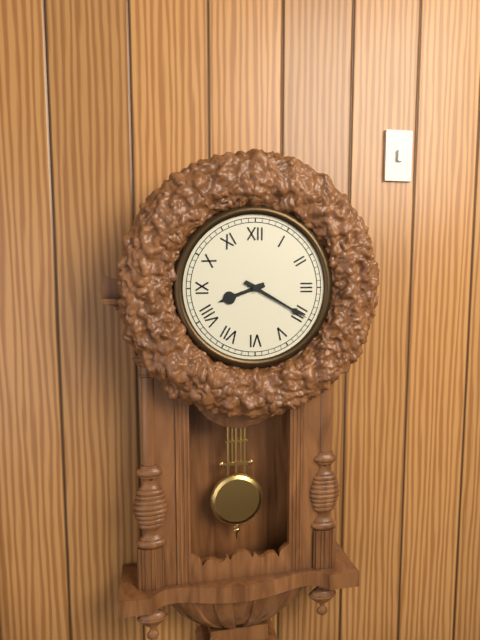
**8:20**
